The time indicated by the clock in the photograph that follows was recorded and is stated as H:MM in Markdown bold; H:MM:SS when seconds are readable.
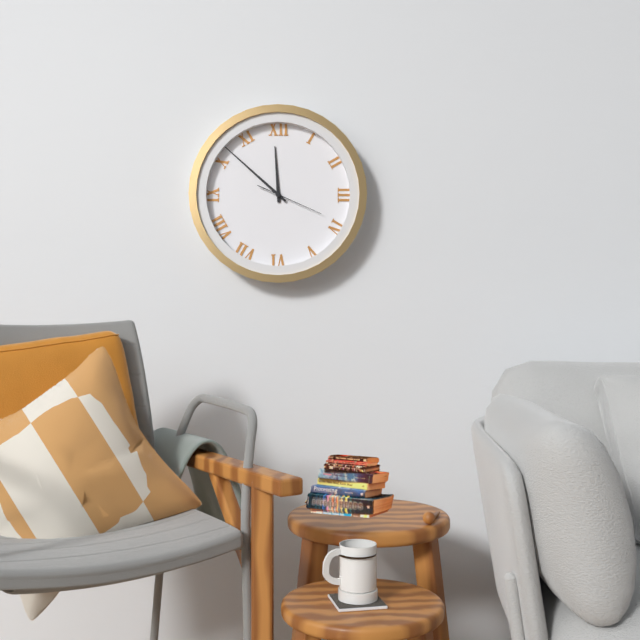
**11:52:19**
